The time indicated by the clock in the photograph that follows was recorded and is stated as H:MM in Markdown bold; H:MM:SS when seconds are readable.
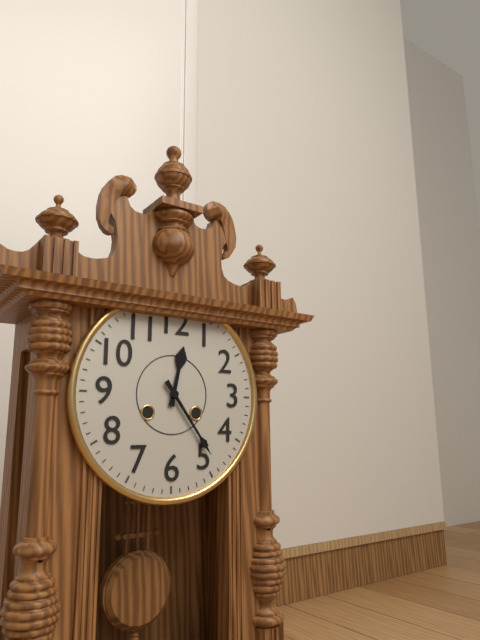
**12:24**
